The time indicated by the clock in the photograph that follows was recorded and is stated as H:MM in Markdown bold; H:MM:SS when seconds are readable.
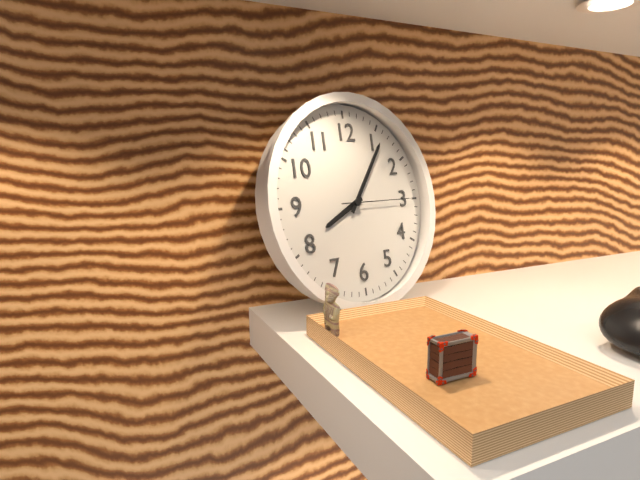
**8:06:15**
